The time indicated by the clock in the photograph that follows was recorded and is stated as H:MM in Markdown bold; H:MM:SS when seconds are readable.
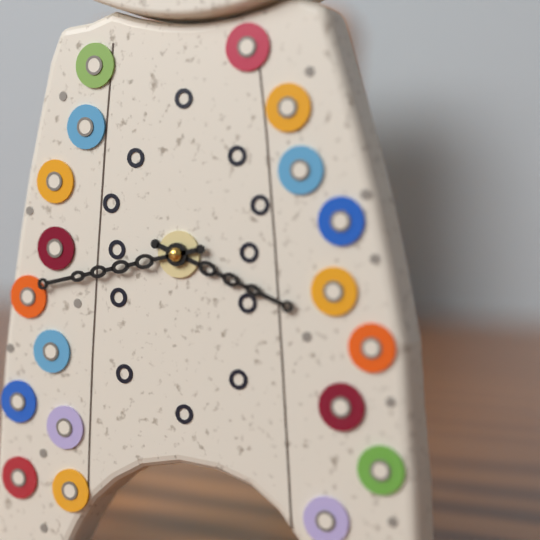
**3:43**
